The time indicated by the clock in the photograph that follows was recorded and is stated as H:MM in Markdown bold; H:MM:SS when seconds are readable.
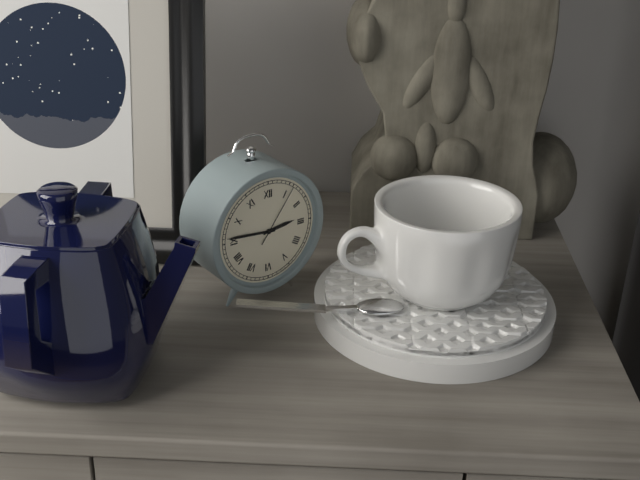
**2:46:06**
